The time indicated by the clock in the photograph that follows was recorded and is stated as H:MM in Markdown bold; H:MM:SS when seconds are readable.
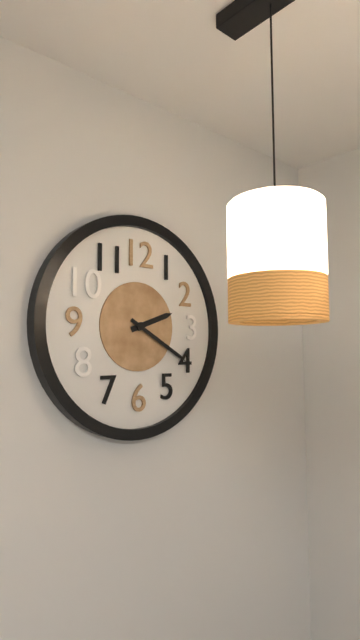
**2:20**
